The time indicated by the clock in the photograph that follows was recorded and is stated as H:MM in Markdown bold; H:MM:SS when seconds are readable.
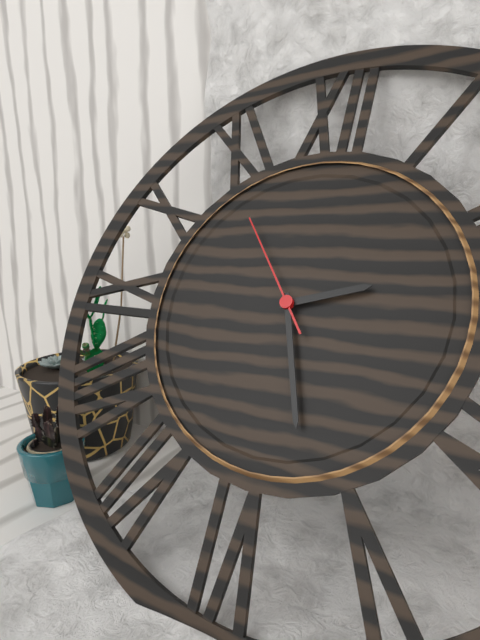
**2:27:54**
